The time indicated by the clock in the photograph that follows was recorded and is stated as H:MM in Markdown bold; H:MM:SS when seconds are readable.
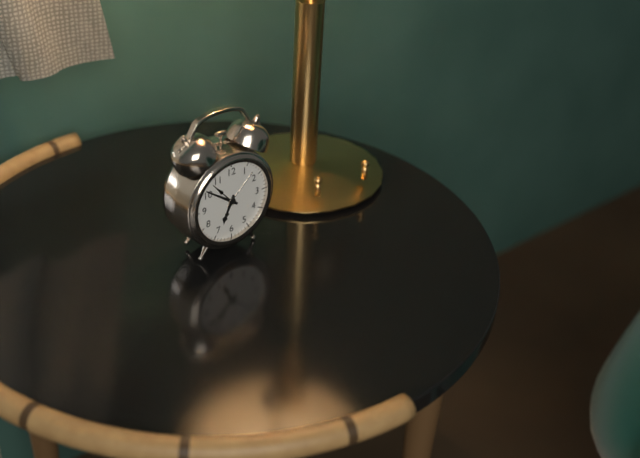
**6:51**
